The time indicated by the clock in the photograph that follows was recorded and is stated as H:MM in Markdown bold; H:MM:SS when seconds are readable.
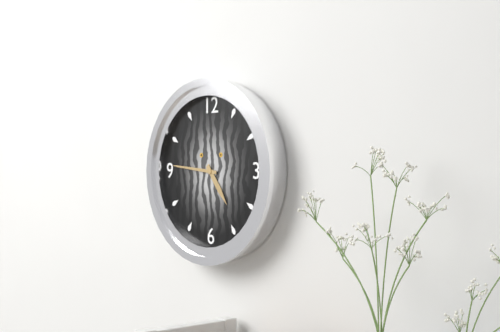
**4:46**
